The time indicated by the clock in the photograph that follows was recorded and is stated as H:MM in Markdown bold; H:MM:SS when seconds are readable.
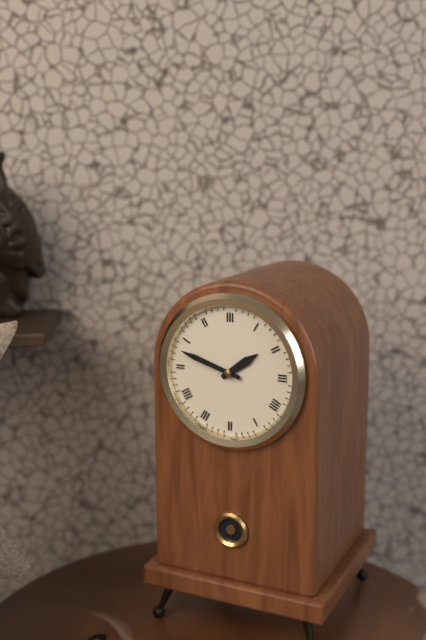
**1:48**
